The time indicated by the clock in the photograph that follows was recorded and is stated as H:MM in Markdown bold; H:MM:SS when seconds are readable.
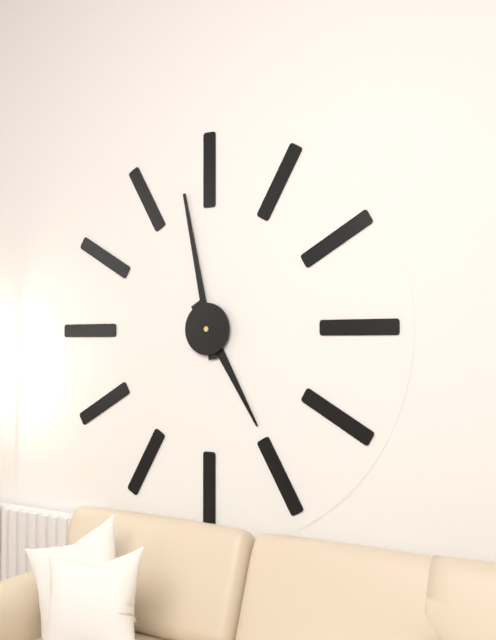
**4:58**
